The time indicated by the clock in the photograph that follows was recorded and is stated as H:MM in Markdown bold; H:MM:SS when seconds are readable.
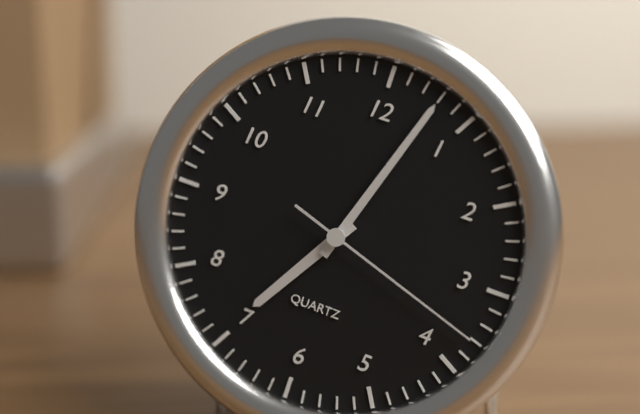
**7:03:18**
